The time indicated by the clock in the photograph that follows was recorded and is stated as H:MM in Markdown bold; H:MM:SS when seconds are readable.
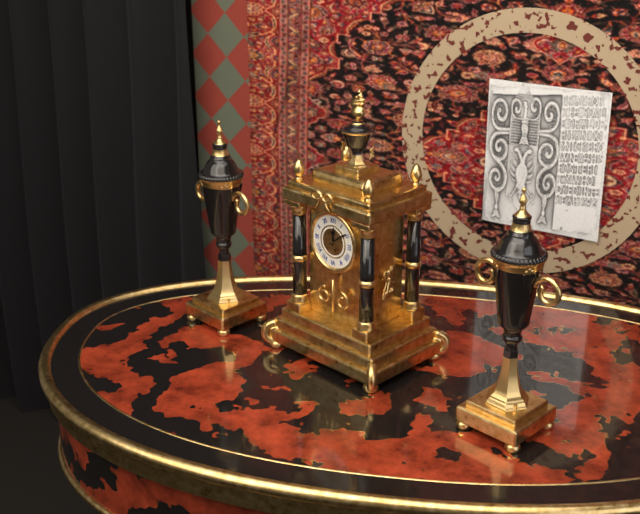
**12:09**
